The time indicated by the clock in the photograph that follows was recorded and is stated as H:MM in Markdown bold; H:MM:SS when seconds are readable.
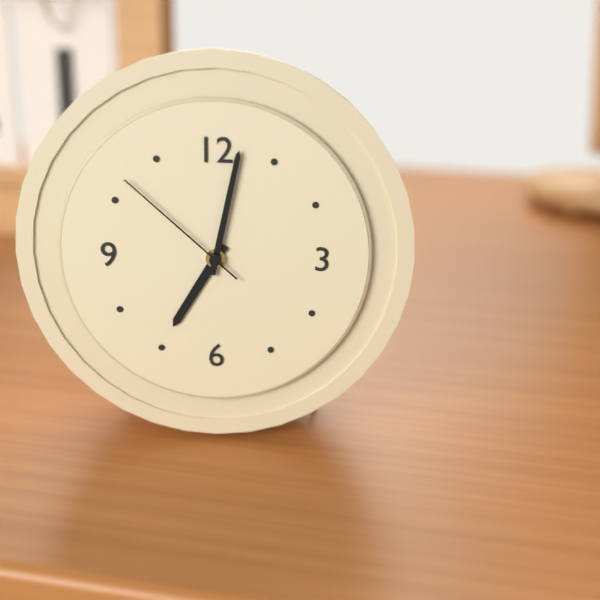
**7:02:52**
